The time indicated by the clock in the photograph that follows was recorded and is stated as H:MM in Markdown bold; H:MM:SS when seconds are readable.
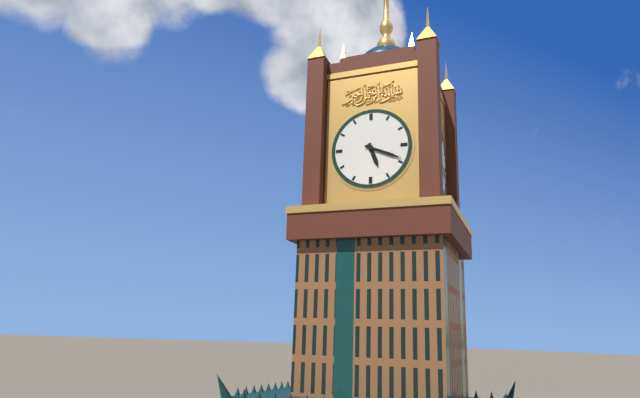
**5:19**
